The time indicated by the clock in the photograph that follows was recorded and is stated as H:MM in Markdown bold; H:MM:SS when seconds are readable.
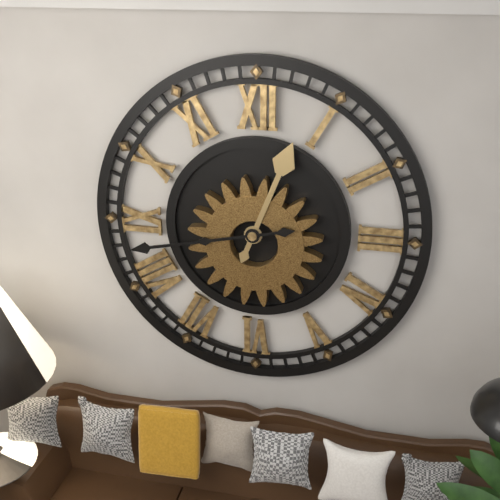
**12:43**
